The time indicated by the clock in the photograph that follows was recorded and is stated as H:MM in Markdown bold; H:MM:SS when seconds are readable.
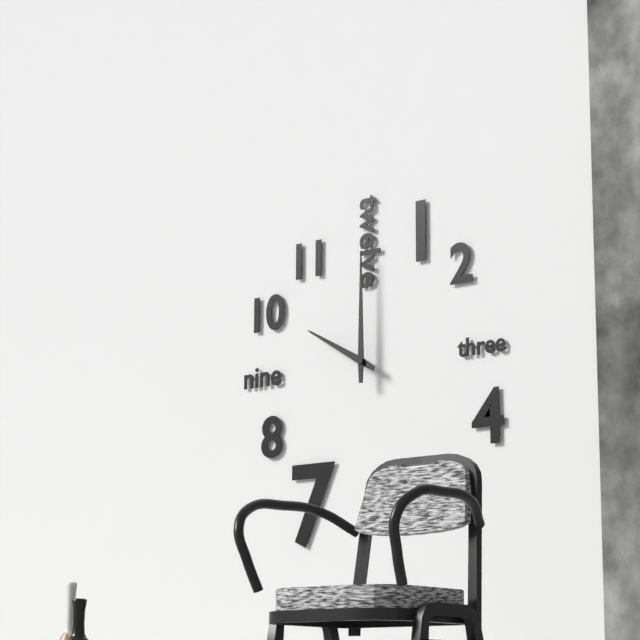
**10:00**
